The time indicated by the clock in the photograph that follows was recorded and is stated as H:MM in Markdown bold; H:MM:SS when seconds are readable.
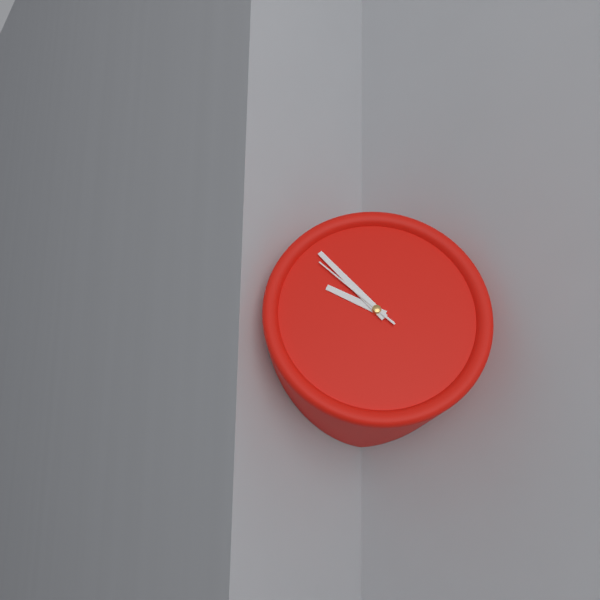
**9:53:52**
